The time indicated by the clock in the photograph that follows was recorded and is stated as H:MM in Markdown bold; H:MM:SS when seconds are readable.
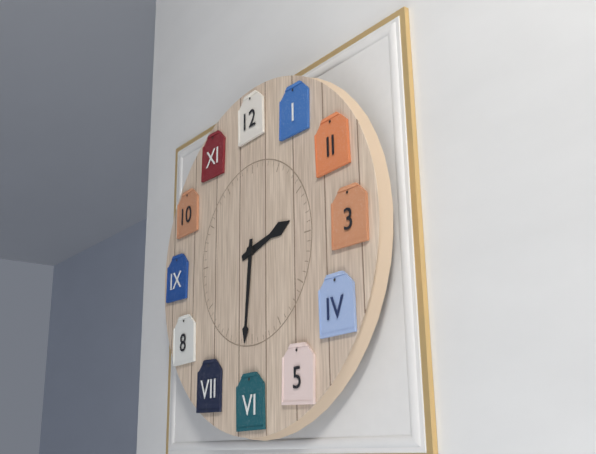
**2:31**
